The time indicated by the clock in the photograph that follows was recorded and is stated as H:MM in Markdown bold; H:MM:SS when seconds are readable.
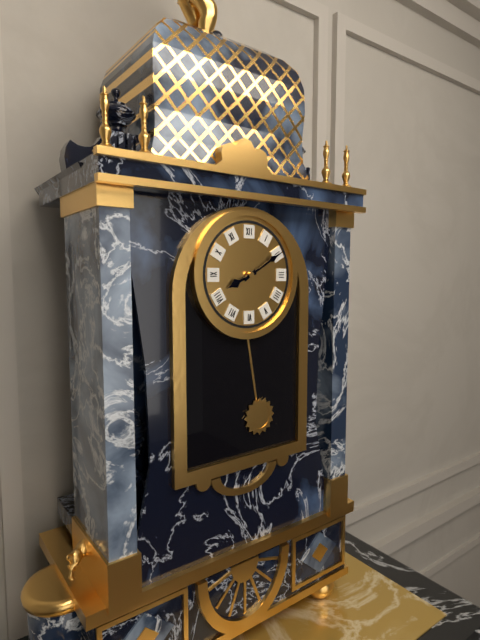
**8:10**
